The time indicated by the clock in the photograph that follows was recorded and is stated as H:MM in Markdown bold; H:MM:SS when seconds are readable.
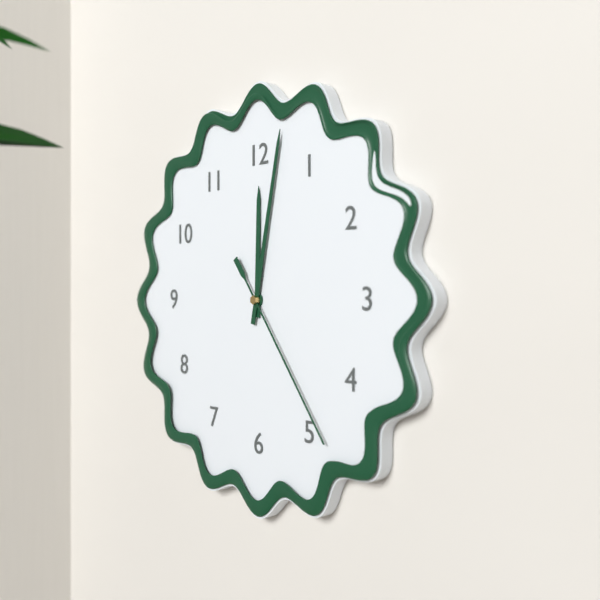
**12:02:24**
